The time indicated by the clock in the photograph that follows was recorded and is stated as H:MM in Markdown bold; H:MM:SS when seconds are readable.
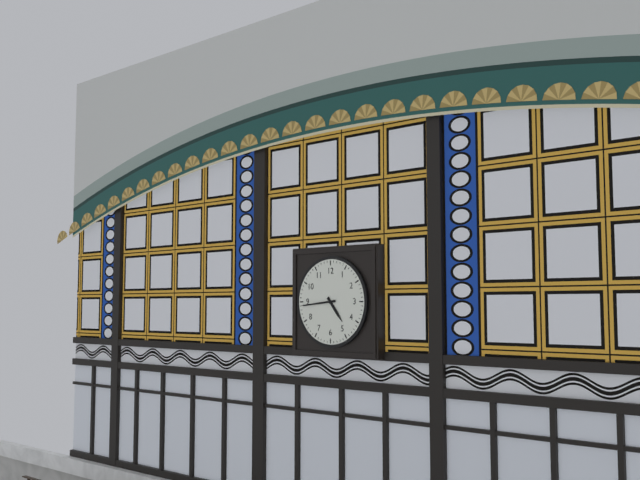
**4:44**
